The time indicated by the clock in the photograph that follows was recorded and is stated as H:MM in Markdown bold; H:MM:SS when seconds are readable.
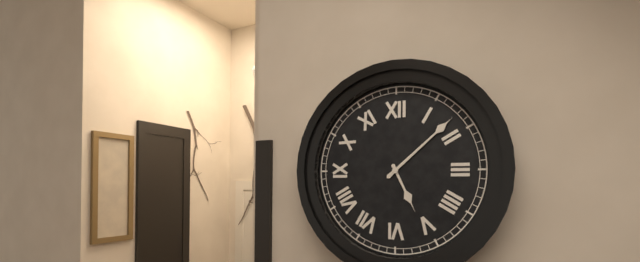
**5:08**
